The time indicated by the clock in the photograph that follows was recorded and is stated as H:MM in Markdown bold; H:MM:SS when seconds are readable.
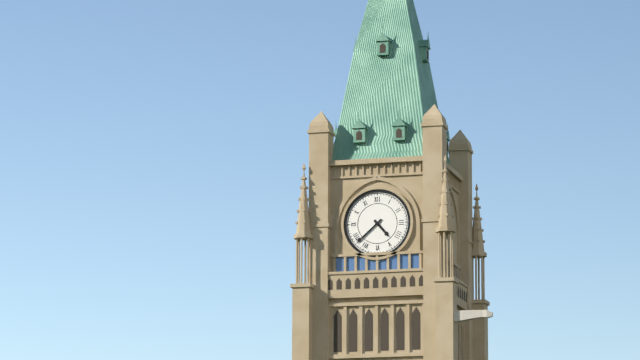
**4:38**
